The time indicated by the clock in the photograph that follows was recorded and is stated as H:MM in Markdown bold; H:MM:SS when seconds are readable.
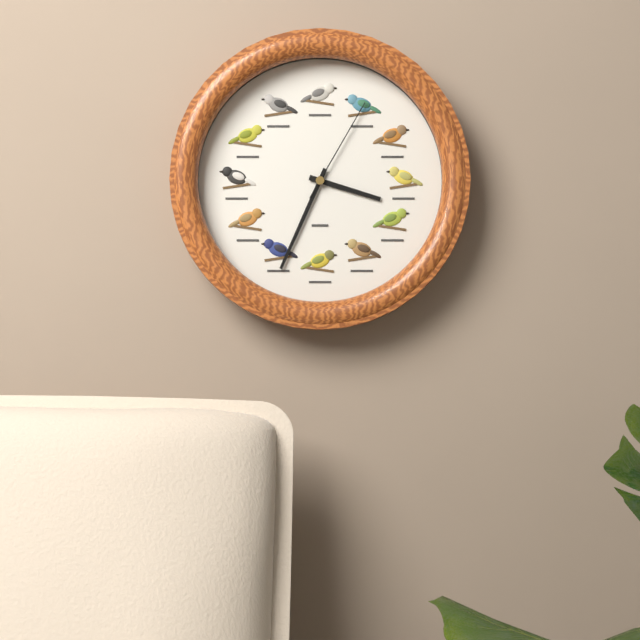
**3:34:05**
